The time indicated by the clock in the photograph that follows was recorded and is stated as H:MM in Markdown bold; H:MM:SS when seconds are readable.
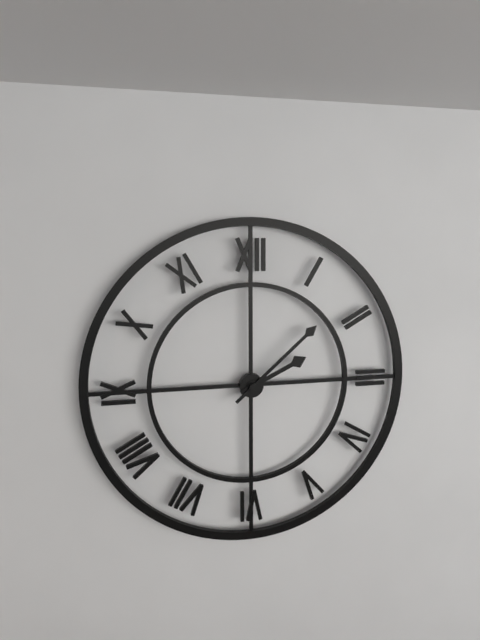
**2:08**
